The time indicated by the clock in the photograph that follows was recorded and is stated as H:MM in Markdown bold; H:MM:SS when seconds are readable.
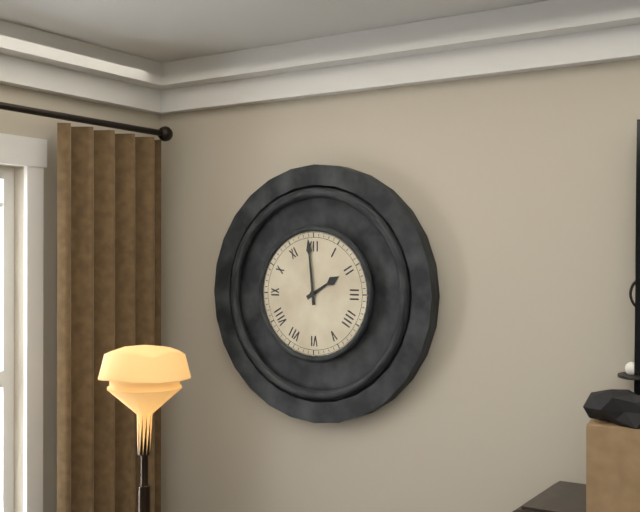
**1:59**
